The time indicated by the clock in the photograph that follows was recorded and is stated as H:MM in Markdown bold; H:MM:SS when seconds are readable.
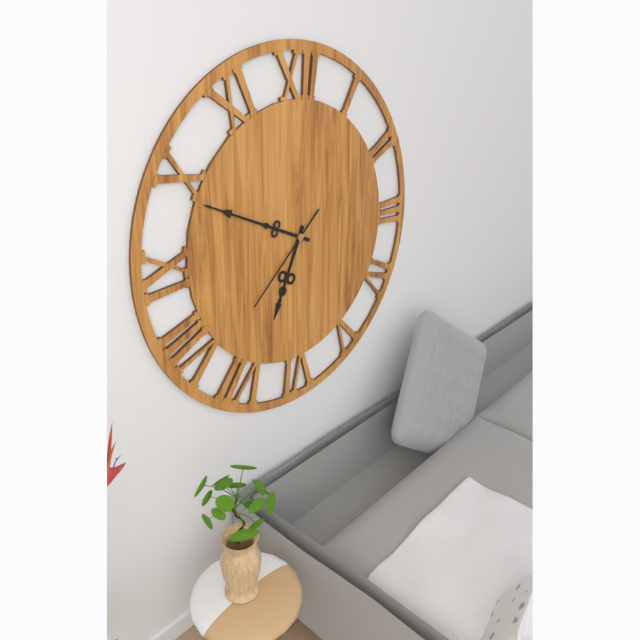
**6:49:38**
